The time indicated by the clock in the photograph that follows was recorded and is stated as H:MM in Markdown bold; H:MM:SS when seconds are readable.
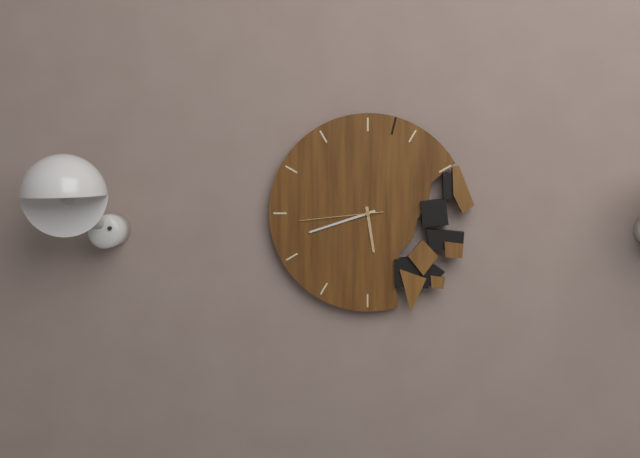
**5:42:44**
